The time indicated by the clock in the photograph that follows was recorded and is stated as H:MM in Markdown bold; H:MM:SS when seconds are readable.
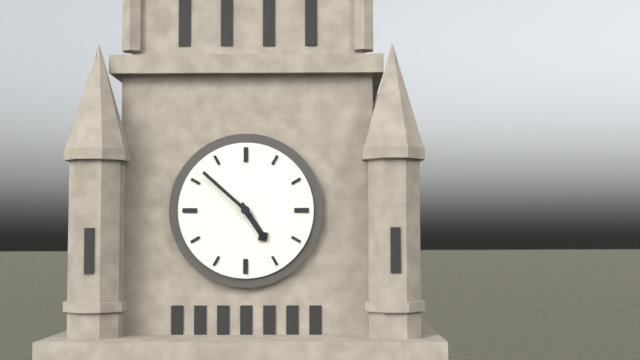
**4:52**
